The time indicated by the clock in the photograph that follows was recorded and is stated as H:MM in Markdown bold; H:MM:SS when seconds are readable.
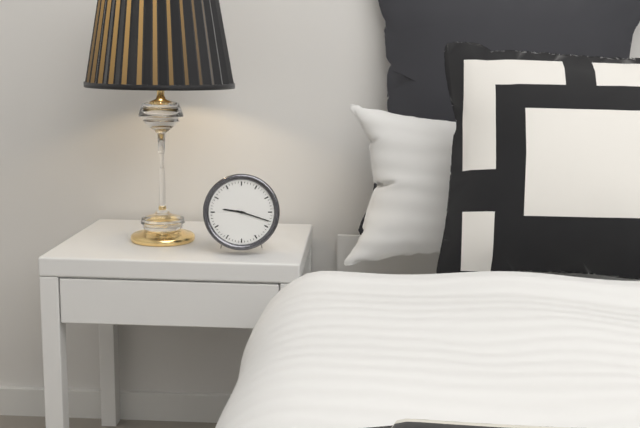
**9:18**
